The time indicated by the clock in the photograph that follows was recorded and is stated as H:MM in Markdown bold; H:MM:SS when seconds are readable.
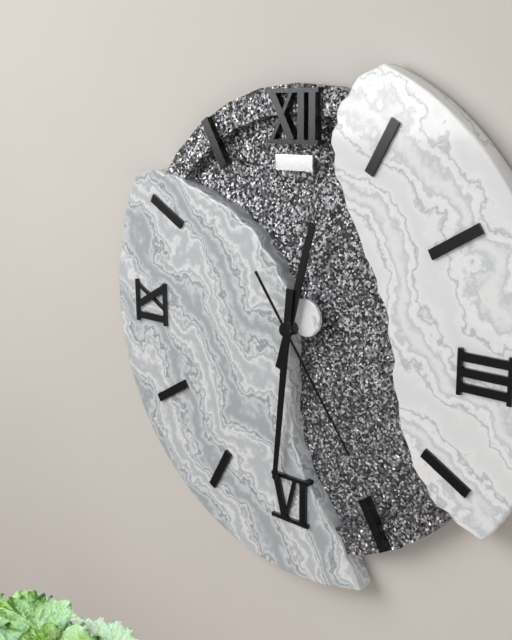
**12:31:24**
